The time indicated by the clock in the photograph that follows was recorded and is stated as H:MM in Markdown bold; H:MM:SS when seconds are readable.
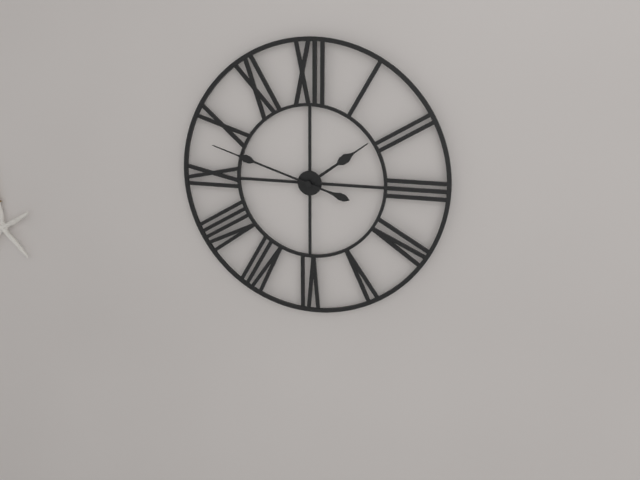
**1:48**
